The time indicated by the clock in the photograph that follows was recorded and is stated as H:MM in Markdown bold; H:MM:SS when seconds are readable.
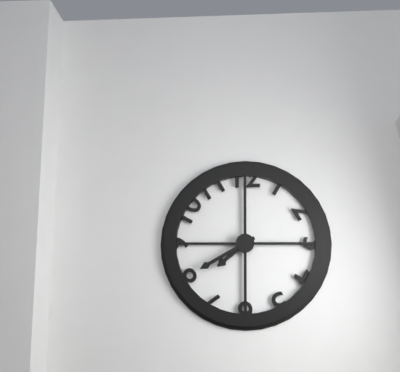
**7:40**
